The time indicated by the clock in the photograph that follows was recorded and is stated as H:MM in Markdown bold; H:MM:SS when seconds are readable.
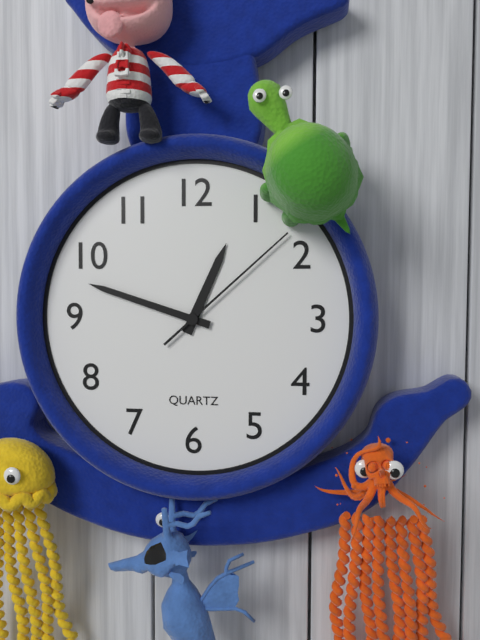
**12:48:08**
